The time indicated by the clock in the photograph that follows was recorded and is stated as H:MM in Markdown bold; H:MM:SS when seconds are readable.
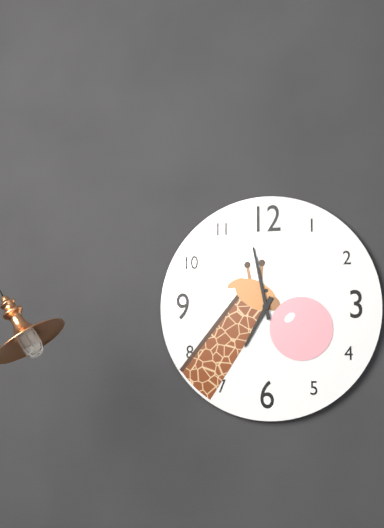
**6:58**
